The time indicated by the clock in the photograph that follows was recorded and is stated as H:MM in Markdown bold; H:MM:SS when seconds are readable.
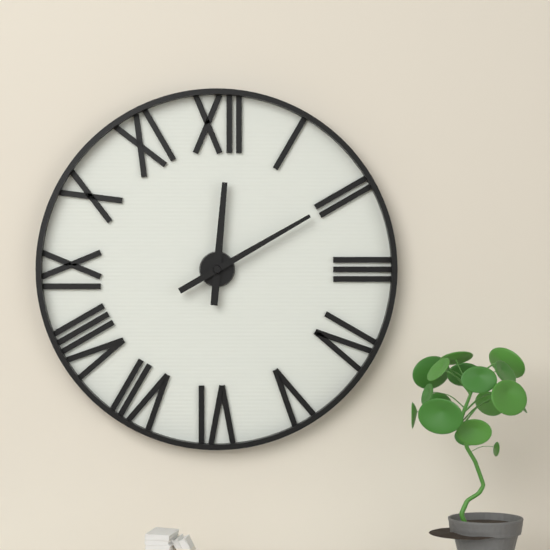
**12:10**
